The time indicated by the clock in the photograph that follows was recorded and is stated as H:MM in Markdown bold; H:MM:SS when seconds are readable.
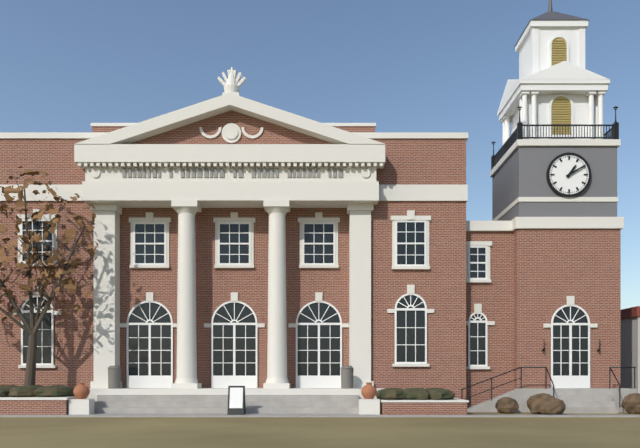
**1:10**
